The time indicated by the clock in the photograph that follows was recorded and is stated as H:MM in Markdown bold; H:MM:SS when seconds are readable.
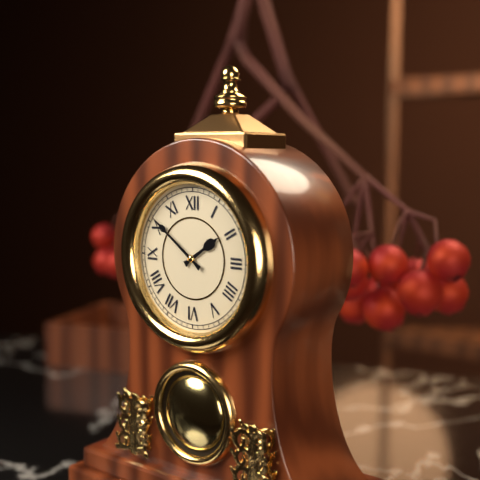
**1:51**
